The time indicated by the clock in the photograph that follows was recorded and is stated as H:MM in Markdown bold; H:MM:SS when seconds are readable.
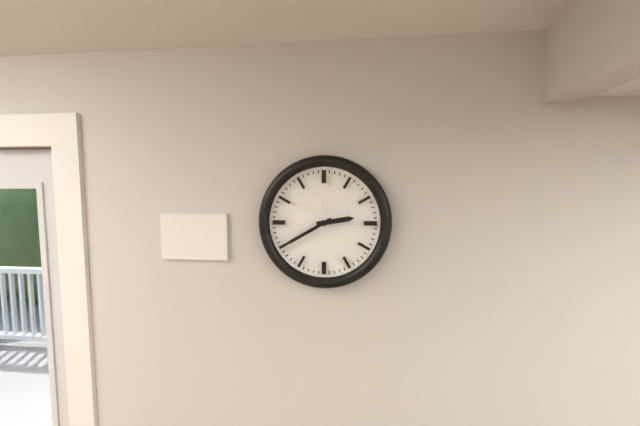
**2:40**
